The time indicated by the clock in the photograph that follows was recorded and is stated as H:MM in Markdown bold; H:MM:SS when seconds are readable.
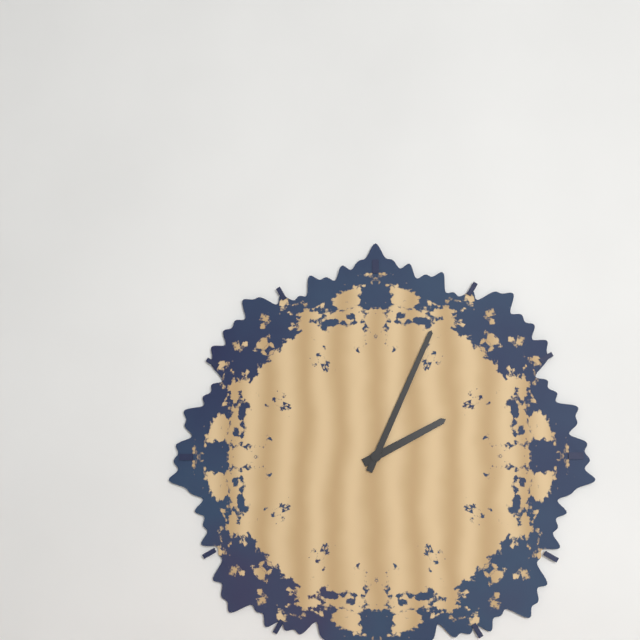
**2:04**
